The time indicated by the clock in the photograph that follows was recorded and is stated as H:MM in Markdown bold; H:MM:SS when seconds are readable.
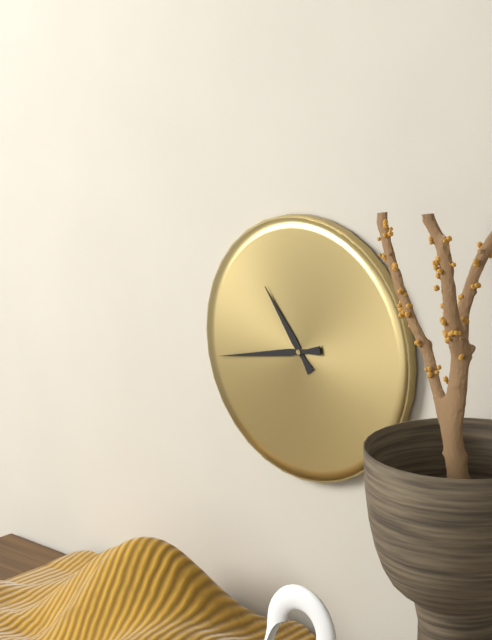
**10:43**
